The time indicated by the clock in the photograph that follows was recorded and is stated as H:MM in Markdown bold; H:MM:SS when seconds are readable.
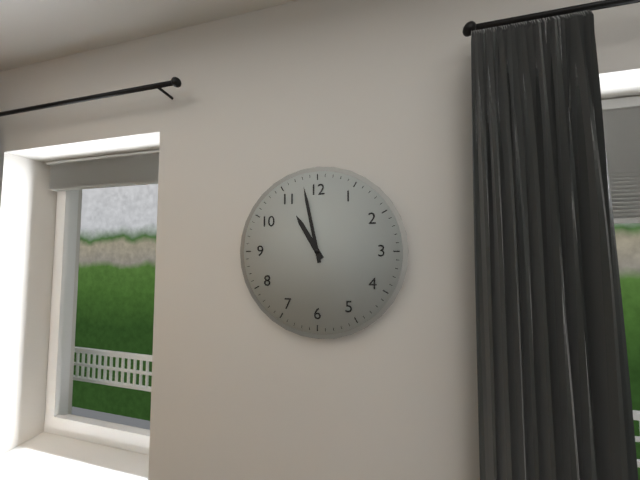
**10:58**
